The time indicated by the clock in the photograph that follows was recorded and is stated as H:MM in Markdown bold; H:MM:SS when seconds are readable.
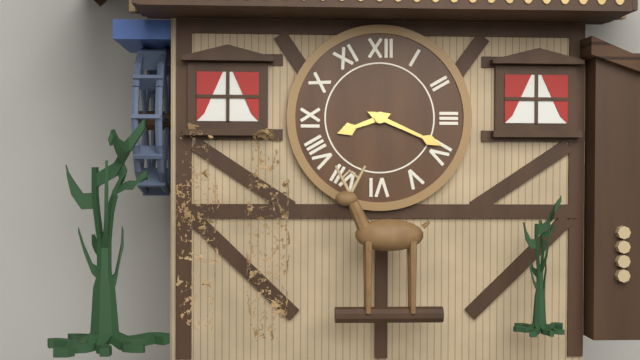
**8:19**
